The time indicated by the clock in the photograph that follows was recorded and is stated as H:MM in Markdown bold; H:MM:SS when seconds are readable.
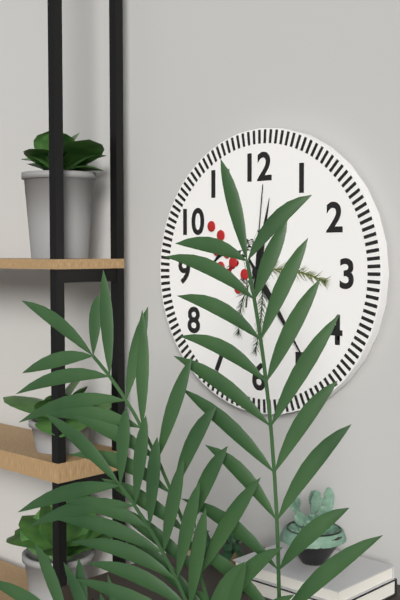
**12:24:01**
